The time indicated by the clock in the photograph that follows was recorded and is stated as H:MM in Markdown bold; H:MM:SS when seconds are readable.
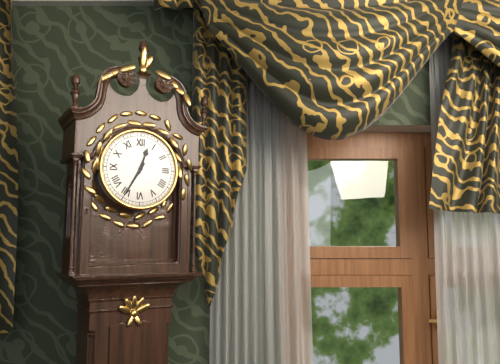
**12:35**
